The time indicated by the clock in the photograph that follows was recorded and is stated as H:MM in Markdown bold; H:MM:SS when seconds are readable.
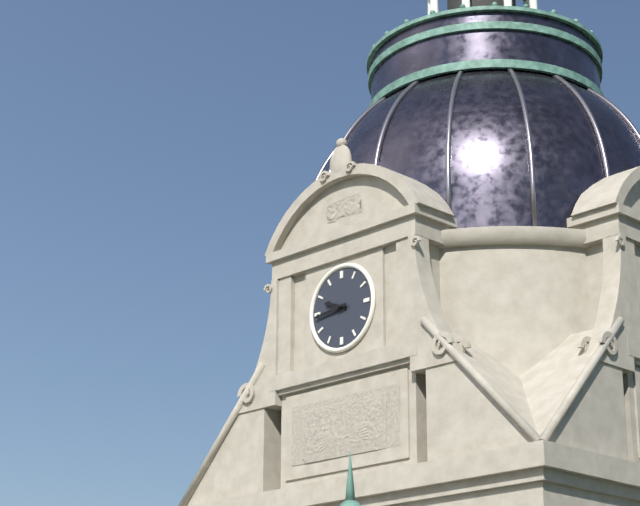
**9:44**
